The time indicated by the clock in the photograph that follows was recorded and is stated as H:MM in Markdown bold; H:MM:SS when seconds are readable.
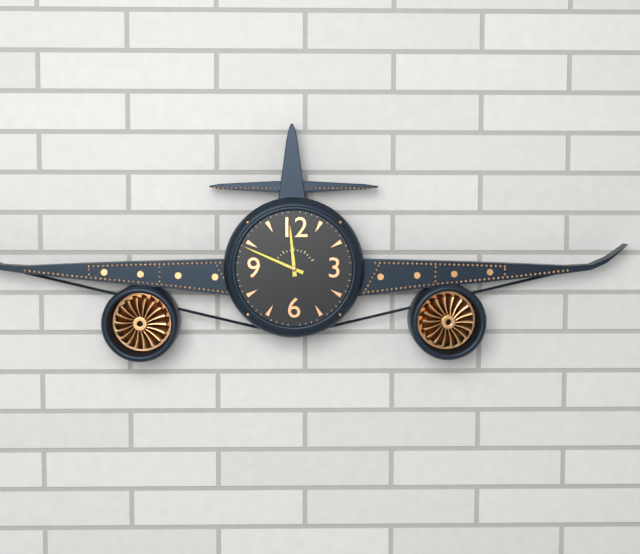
**11:49**
